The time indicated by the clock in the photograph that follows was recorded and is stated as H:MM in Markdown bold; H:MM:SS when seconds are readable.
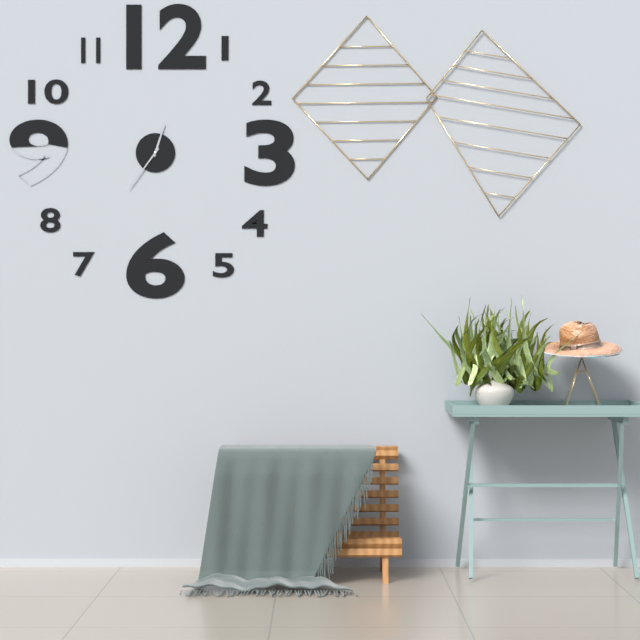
**12:36**
